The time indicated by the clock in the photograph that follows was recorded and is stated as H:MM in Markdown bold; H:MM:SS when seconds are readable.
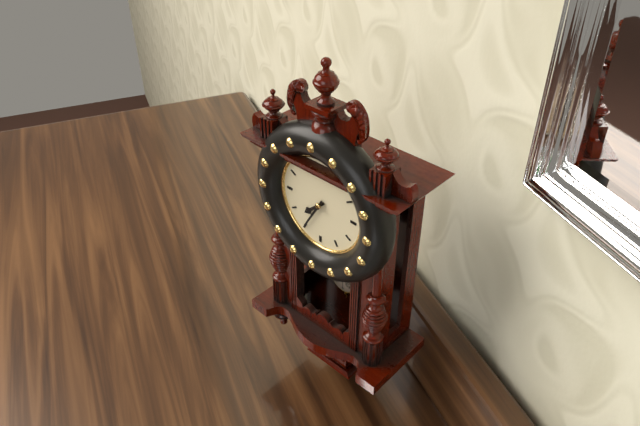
**7:35**
